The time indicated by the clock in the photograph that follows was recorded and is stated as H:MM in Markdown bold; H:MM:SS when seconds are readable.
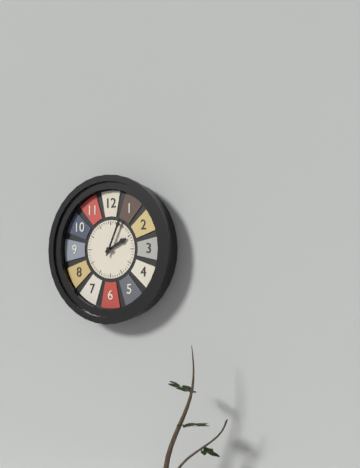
**2:04**
